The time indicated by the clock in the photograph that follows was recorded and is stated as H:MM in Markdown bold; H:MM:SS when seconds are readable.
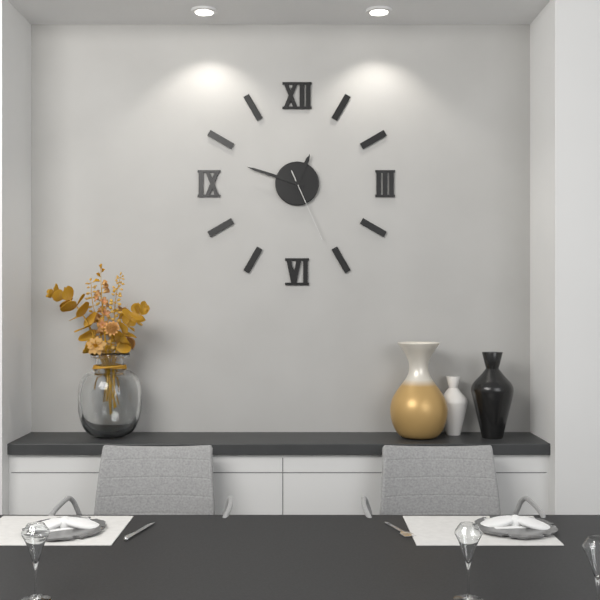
**12:48:26**
